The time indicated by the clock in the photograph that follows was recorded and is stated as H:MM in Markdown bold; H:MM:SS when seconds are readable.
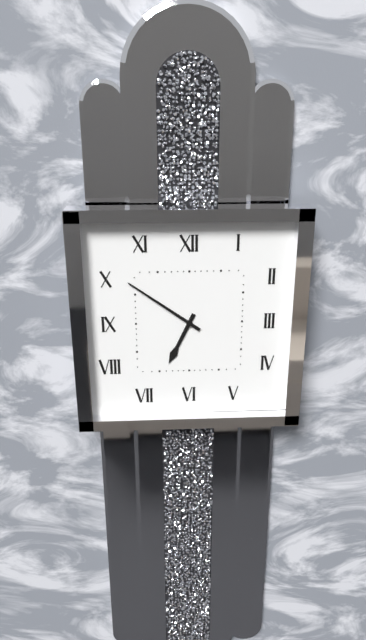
**6:51**
